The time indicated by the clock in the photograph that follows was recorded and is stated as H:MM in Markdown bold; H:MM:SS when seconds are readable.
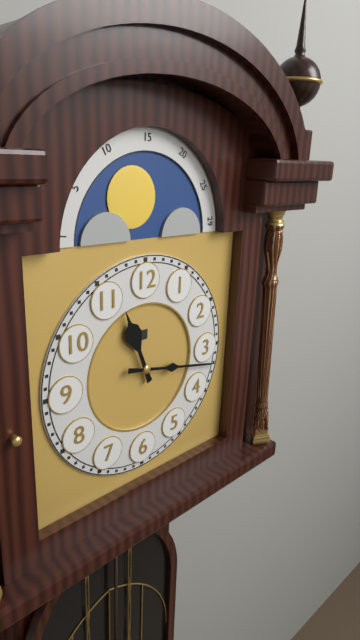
**11:17**
